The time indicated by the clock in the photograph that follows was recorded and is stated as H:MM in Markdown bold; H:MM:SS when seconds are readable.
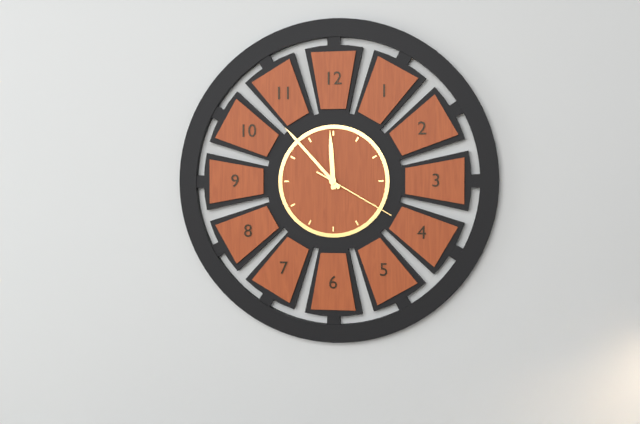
**11:53:20**
